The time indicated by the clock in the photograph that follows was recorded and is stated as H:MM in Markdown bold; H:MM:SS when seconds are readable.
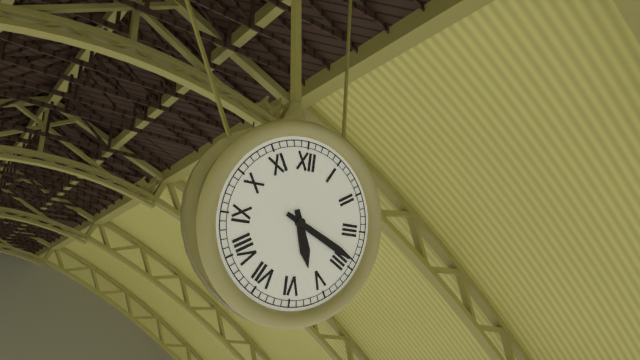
**5:19**
